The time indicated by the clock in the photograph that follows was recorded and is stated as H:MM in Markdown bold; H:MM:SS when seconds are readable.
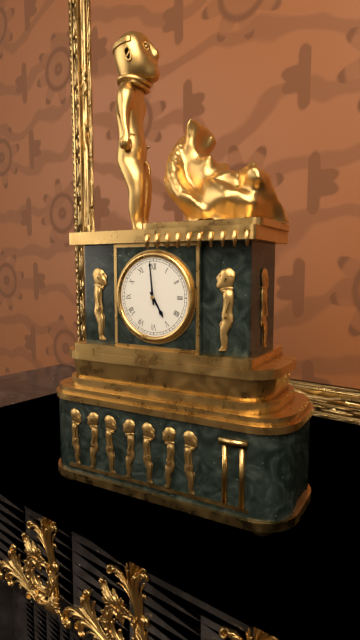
**4:59**
